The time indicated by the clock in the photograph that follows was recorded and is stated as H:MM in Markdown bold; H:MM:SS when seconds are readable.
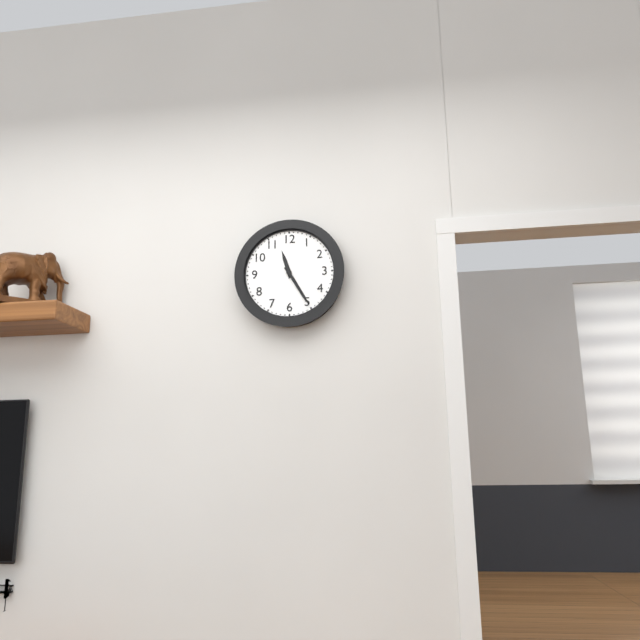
**11:25**
